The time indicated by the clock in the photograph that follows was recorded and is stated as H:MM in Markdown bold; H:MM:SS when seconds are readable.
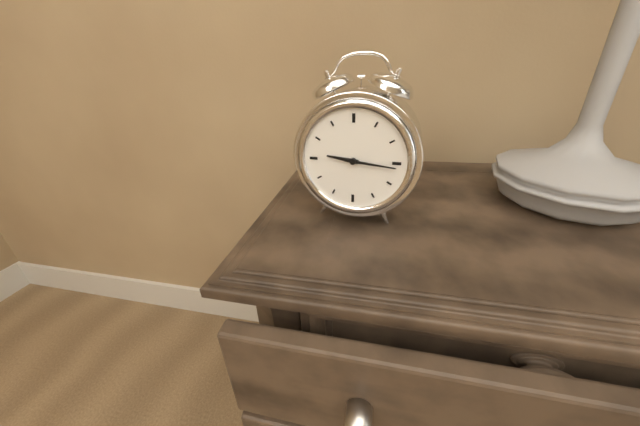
**9:16**
